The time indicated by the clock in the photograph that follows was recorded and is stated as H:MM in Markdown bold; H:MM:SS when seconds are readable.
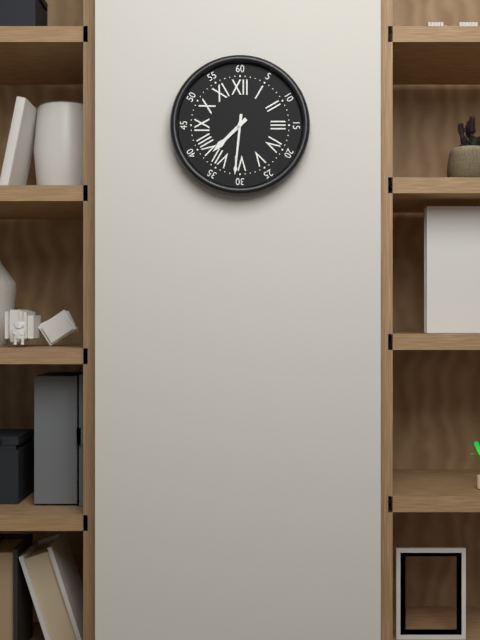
**7:31**
